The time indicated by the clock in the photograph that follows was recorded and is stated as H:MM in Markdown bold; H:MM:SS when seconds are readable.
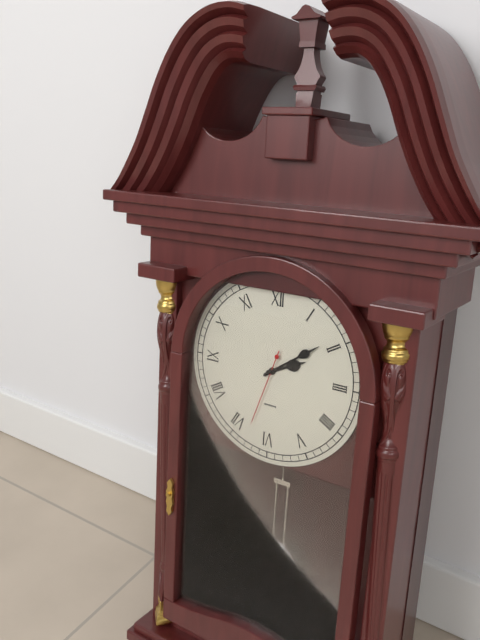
**2:09:33**
